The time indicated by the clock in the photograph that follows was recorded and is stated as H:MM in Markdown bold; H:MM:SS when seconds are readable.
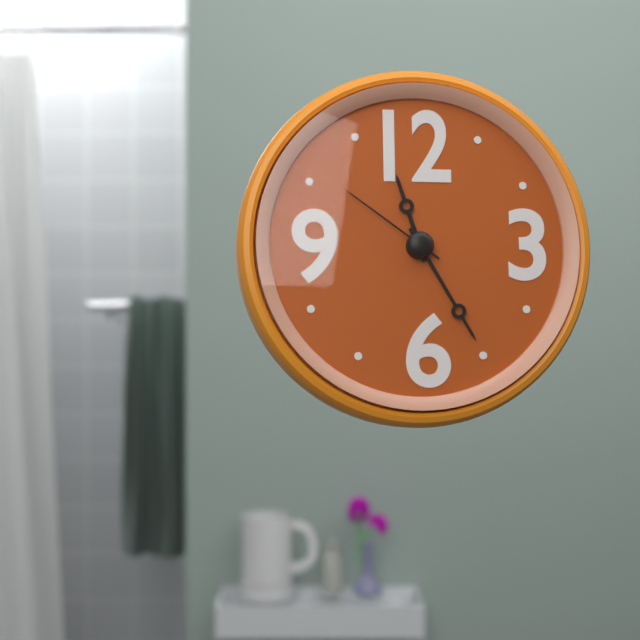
**11:25:51**
